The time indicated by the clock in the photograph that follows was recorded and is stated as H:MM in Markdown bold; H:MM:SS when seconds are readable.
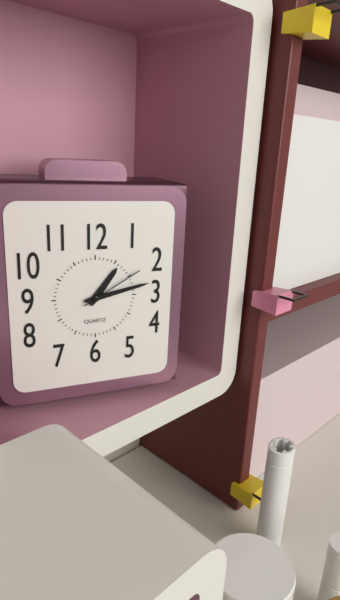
**1:13:10**
